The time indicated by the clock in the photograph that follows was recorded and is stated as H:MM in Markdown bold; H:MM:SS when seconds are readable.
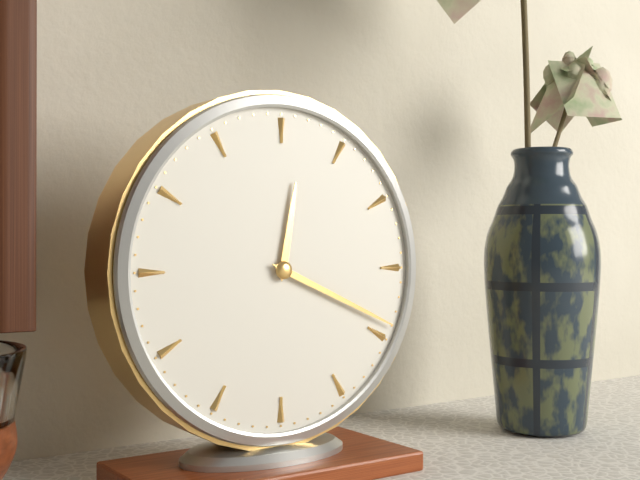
**12:19**
